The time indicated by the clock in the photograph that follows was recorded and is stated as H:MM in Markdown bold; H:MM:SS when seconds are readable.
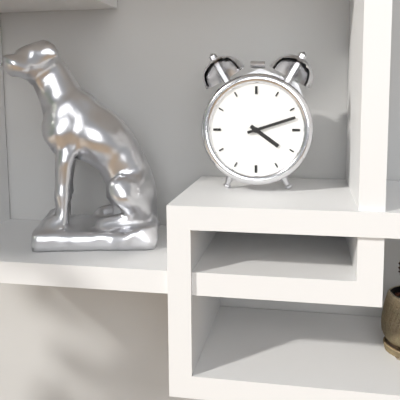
**4:12**
